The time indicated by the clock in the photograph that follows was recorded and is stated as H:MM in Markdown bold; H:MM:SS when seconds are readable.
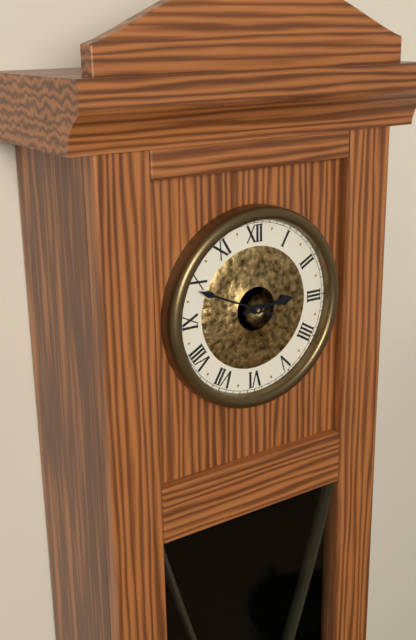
**2:49**
